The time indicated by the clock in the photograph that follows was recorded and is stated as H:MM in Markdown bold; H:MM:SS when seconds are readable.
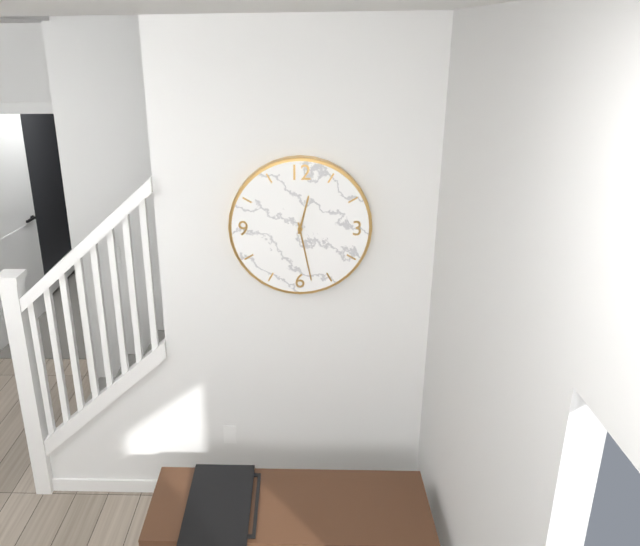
**12:28**
